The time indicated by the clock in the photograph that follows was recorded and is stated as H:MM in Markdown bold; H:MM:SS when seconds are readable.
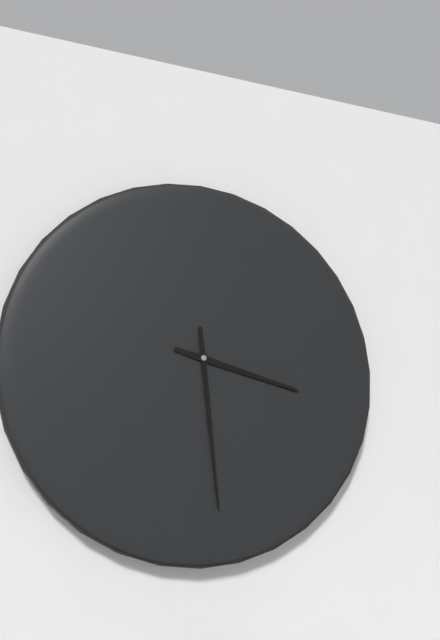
**3:29**
